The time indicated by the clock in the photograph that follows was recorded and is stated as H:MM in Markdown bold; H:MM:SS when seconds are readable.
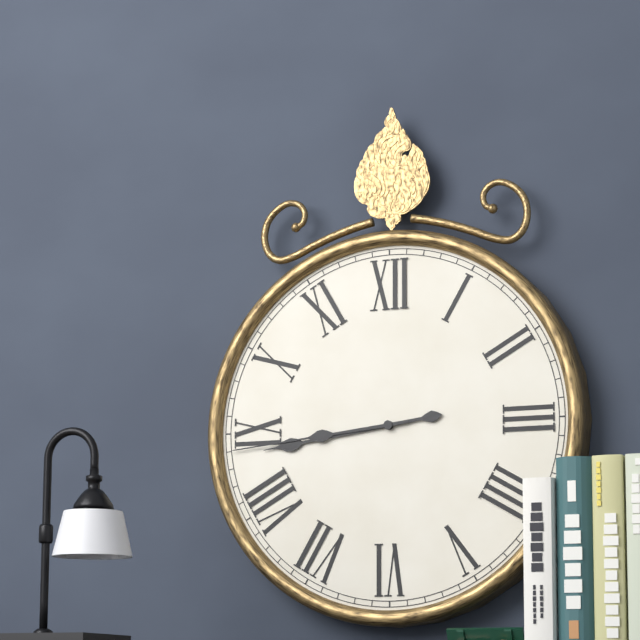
**8:44**
